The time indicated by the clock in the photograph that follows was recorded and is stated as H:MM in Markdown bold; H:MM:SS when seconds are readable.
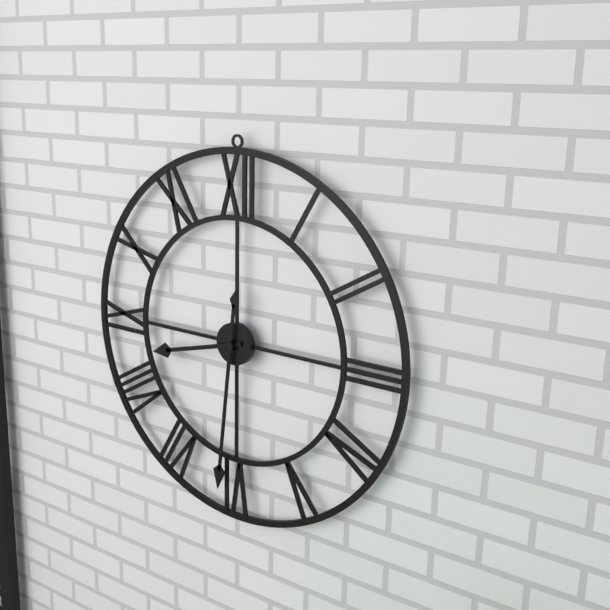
**8:31**
